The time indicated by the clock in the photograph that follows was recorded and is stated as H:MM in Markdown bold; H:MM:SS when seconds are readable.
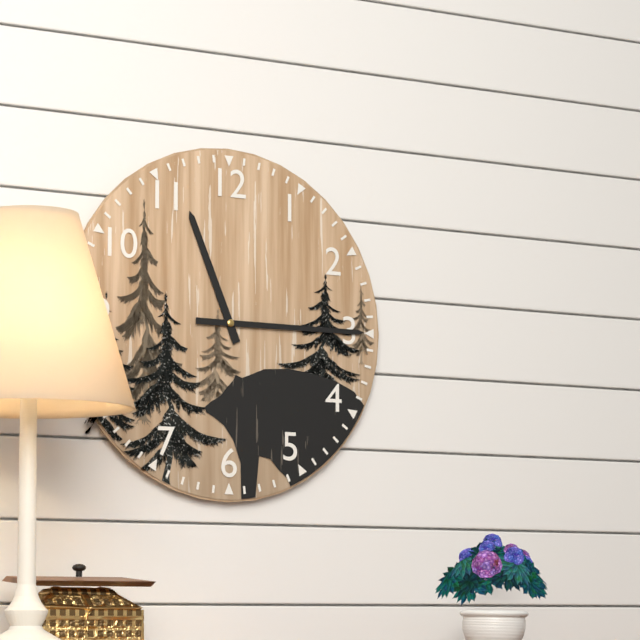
**11:15**
